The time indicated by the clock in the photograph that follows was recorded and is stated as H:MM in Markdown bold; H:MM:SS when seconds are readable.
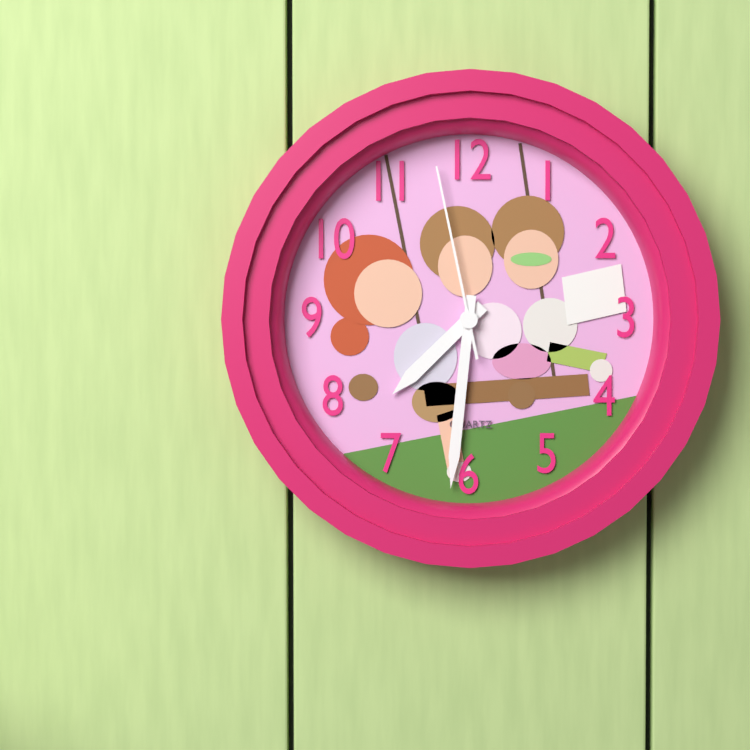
**7:31:58**
